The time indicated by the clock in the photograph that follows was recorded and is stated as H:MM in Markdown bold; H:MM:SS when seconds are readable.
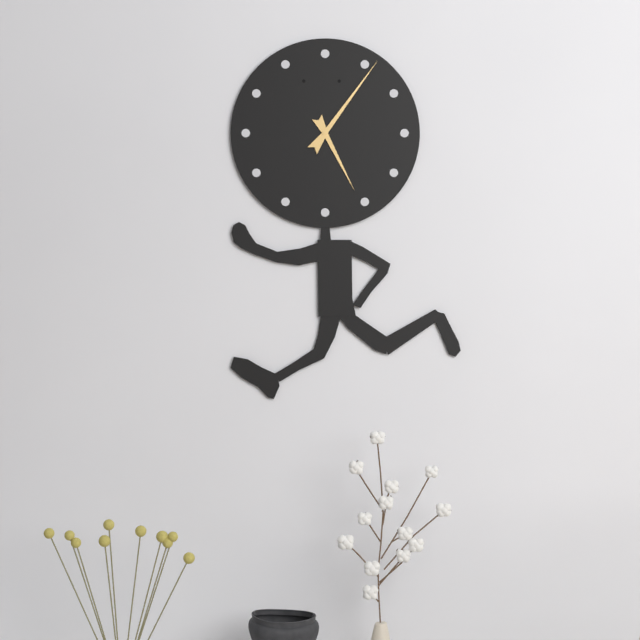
**5:06**
